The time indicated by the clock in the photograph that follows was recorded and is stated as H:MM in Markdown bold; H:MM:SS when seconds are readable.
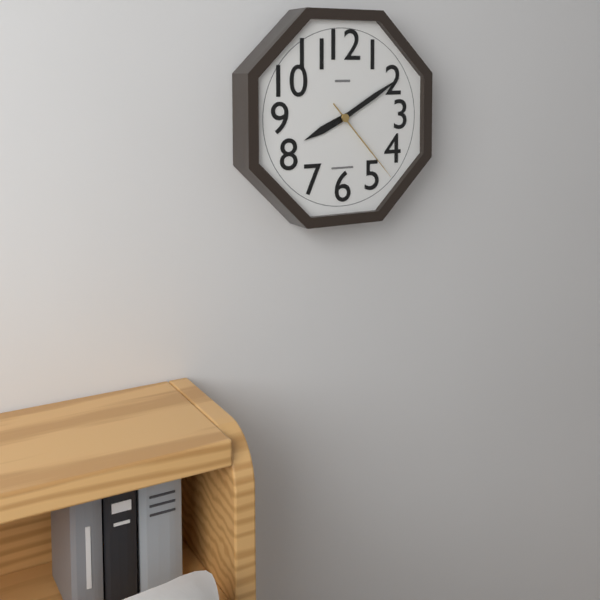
**8:10:23**
